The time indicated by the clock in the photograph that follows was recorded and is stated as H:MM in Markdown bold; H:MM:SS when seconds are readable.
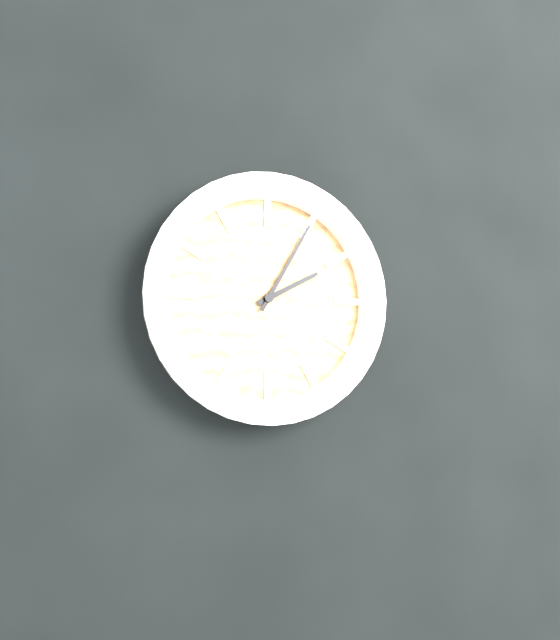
**2:05**
